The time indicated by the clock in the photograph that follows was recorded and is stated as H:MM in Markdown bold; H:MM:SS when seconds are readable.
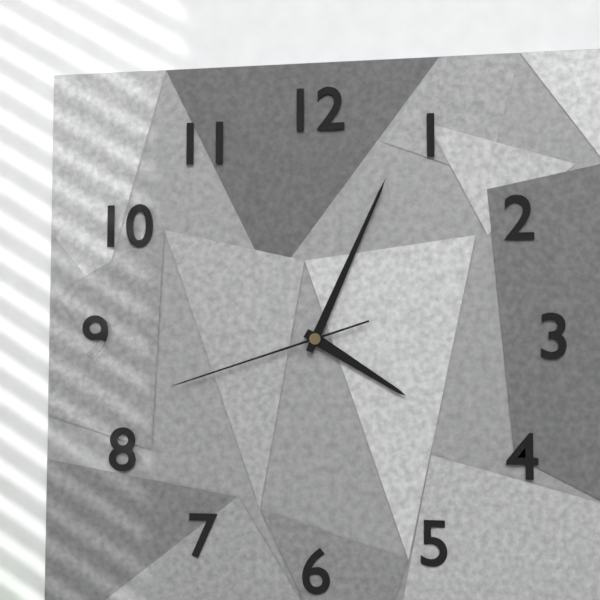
**4:04:42**
